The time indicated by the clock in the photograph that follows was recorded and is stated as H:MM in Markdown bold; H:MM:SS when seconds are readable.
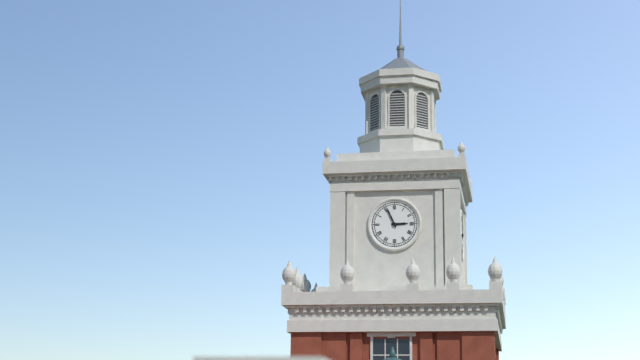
**2:56**
